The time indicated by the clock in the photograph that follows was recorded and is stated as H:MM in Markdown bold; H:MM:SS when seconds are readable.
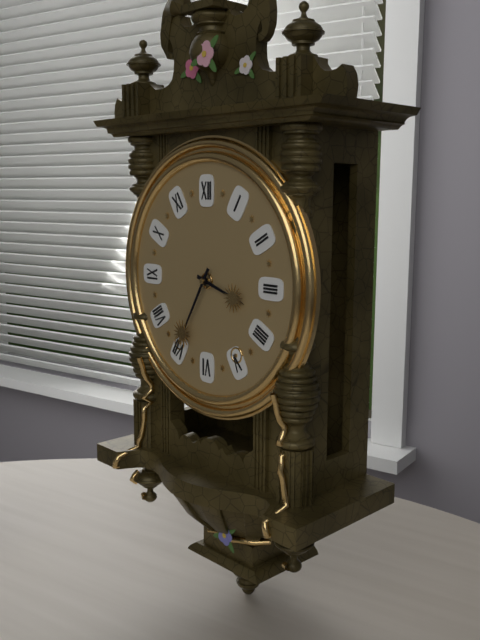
**3:35**
